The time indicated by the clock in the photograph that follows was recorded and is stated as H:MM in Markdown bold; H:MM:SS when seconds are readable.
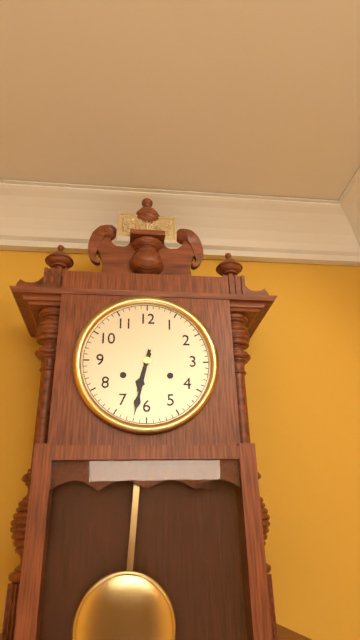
**6:32**
